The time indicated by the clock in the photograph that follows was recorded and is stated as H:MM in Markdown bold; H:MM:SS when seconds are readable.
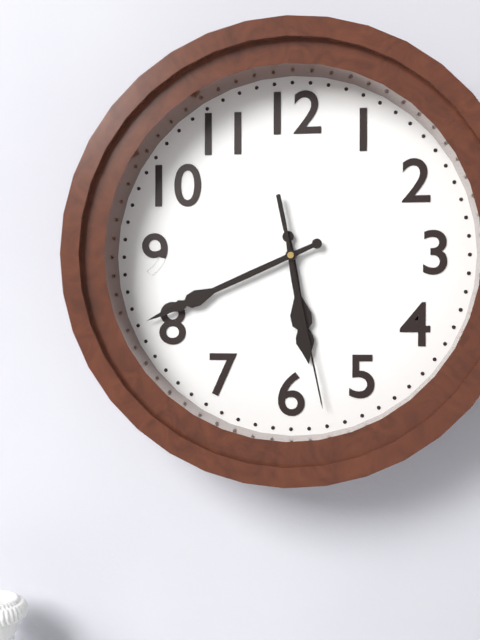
**5:41:28**
